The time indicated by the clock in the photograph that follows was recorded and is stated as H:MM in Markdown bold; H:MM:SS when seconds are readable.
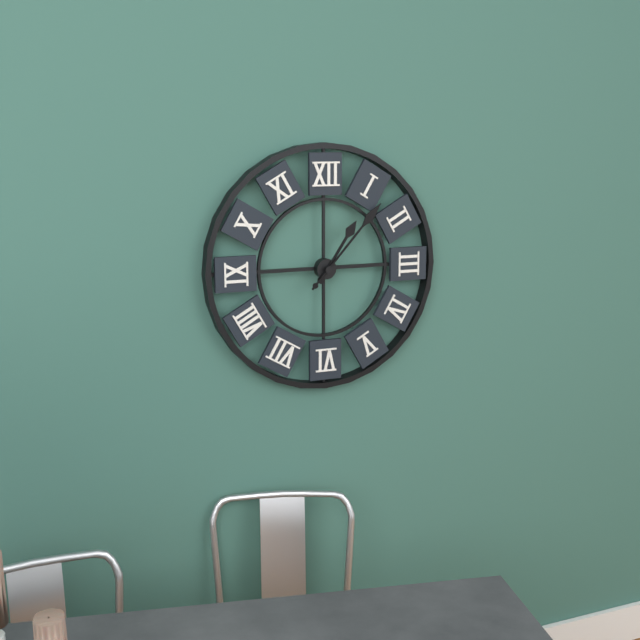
**1:07**
